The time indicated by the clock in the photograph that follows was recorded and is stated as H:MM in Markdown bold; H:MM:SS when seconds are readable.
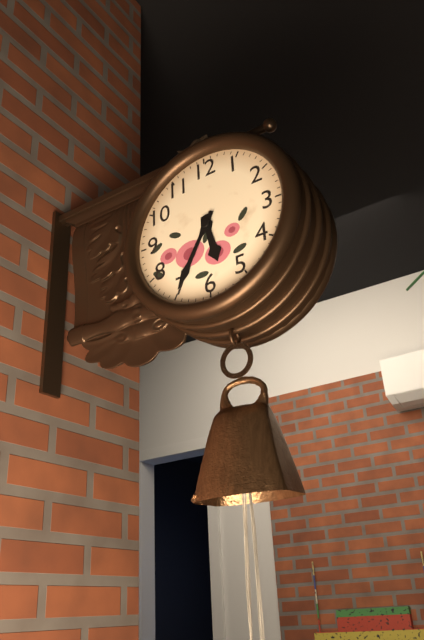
**5:35**
